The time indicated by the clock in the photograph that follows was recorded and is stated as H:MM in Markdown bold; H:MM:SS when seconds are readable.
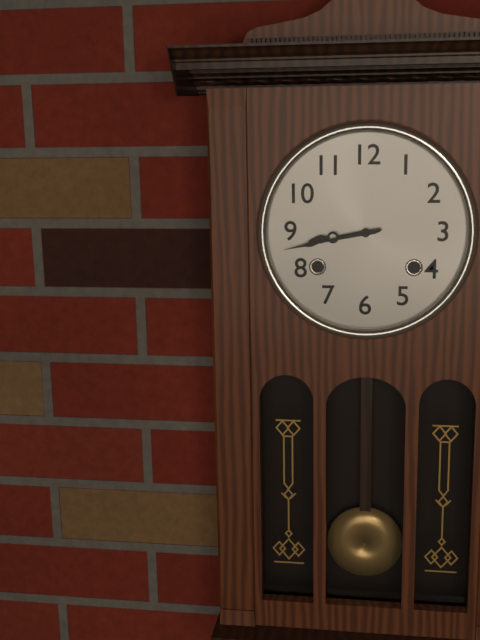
**8:43**
